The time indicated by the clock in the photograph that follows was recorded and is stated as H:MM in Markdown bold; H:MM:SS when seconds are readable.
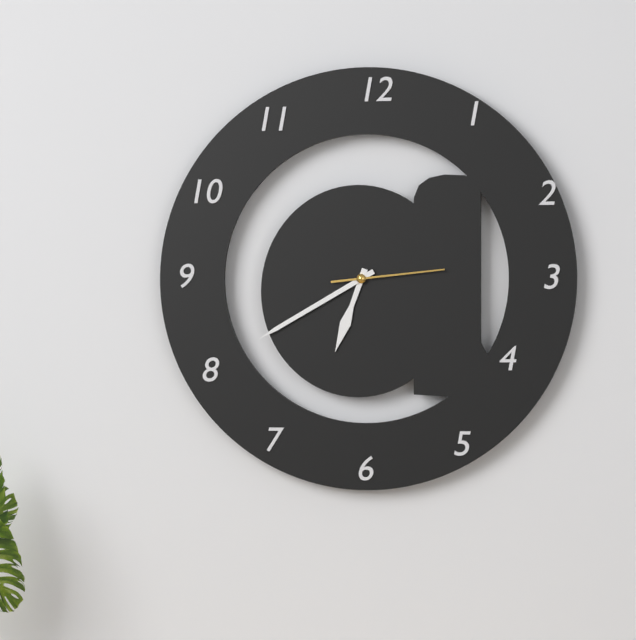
**6:40:14**
